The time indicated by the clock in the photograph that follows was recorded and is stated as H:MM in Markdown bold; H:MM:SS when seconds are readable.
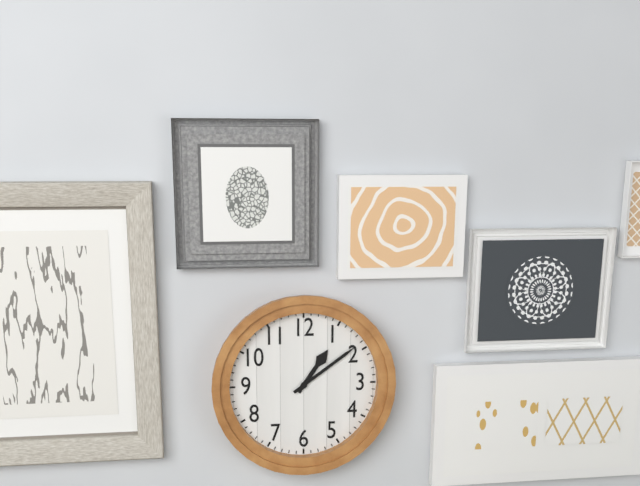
**1:09**
